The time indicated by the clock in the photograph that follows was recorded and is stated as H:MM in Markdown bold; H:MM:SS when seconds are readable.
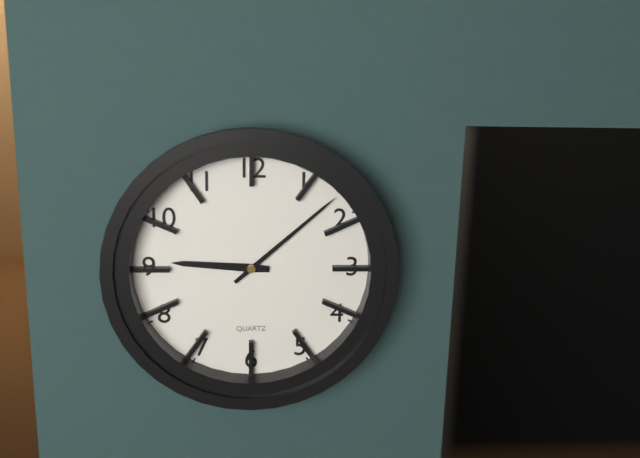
**9:08**
